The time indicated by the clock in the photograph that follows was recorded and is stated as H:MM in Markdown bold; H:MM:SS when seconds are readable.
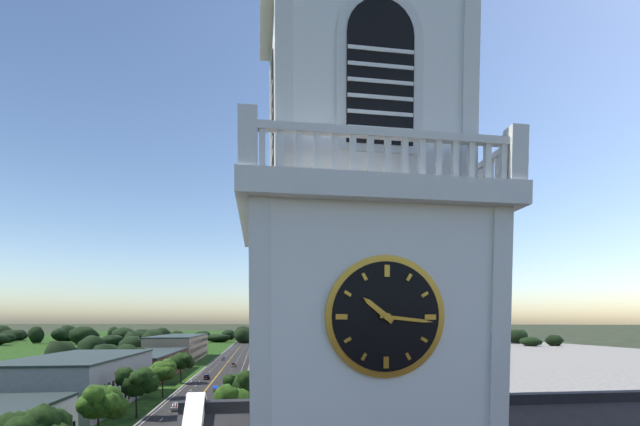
**10:16**
